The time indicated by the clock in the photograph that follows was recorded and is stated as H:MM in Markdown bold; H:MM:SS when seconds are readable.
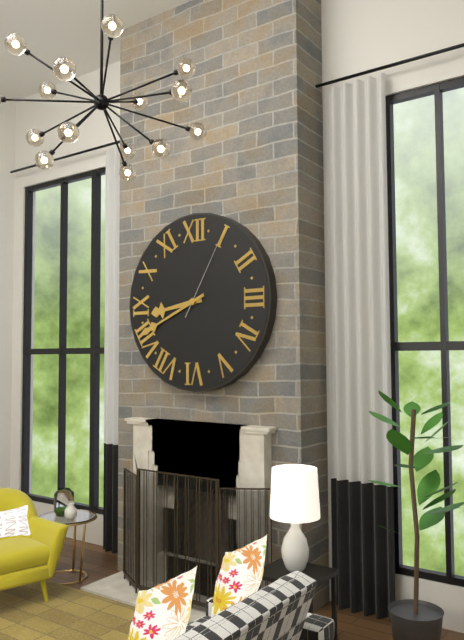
**8:41:05**
